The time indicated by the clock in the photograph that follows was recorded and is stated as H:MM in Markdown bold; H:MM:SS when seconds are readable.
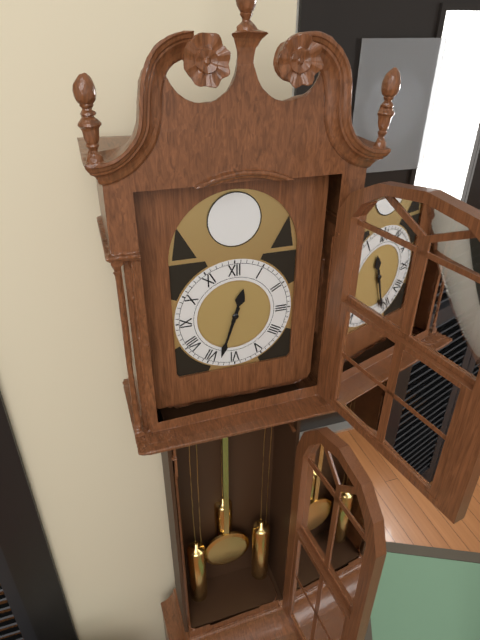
**12:33**
